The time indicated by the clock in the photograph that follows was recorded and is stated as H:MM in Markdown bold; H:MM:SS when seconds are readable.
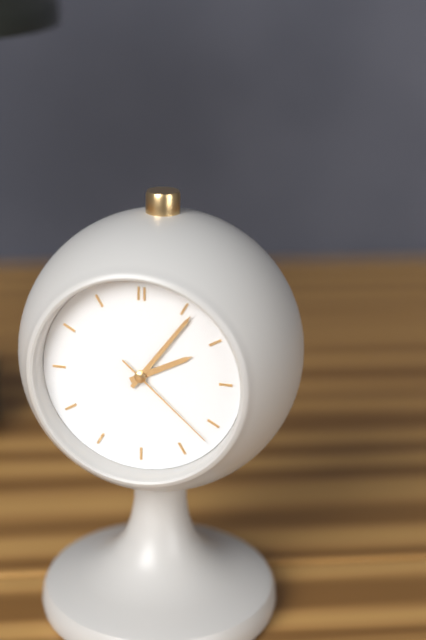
**2:06:22**
